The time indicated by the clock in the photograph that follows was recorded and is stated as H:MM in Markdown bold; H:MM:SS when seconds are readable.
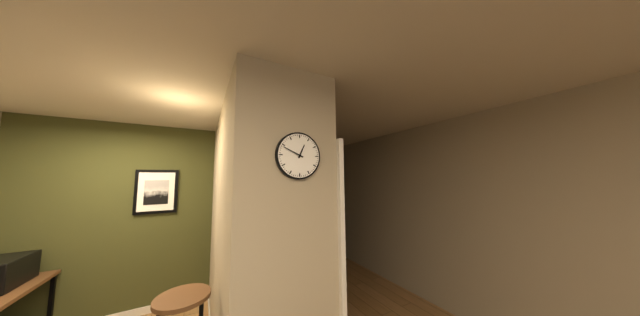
**12:49**
